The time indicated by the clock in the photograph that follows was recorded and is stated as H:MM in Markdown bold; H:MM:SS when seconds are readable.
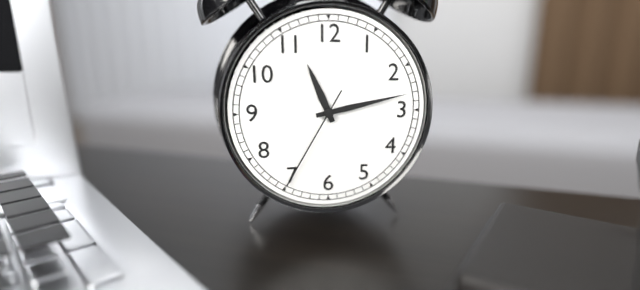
**11:13:35**
